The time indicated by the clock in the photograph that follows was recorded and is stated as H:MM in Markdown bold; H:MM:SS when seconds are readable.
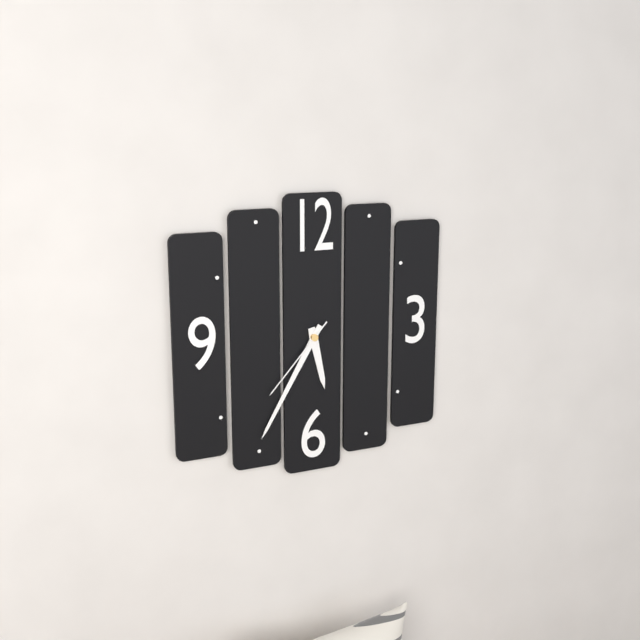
**5:35:37**
